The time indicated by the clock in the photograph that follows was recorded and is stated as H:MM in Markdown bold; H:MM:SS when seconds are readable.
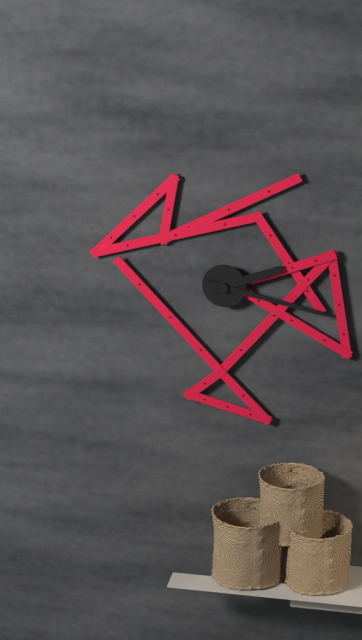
**2:17**
